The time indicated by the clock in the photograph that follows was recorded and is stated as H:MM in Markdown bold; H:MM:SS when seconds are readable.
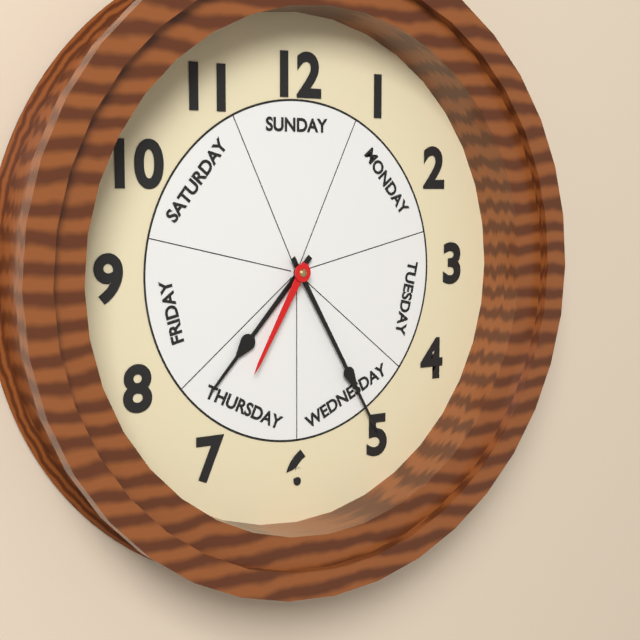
**7:25:35**
